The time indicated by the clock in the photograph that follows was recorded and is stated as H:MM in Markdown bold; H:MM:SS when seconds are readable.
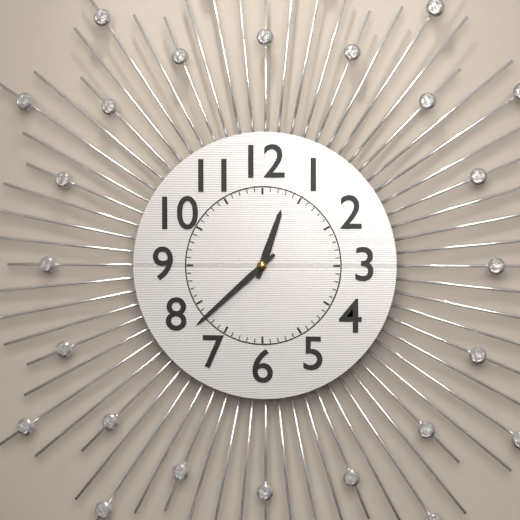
**12:38**
